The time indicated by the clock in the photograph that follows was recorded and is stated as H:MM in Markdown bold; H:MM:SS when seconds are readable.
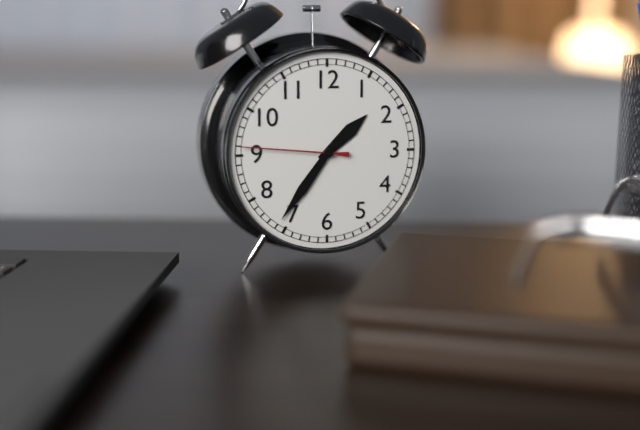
**1:36:46**
